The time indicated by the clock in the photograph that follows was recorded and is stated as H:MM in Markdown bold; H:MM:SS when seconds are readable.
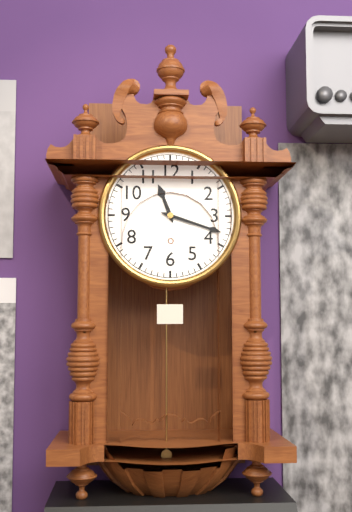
**11:18**
